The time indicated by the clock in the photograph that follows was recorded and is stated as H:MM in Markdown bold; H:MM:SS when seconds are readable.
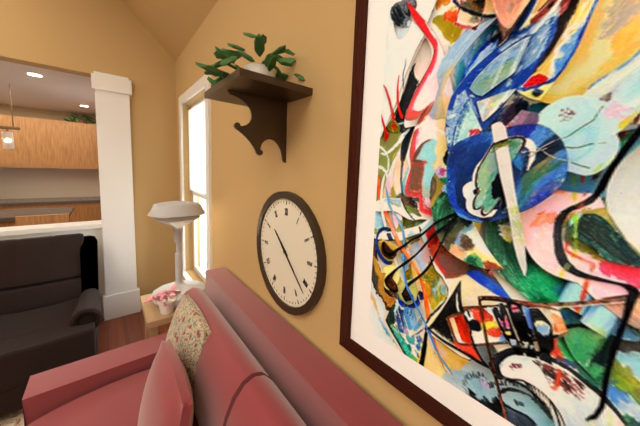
**10:22**
